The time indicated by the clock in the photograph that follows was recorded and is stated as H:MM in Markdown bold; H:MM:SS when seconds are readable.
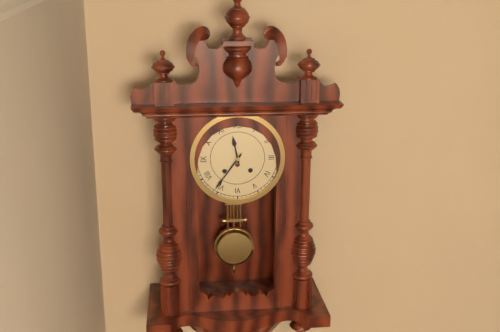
**11:36**
